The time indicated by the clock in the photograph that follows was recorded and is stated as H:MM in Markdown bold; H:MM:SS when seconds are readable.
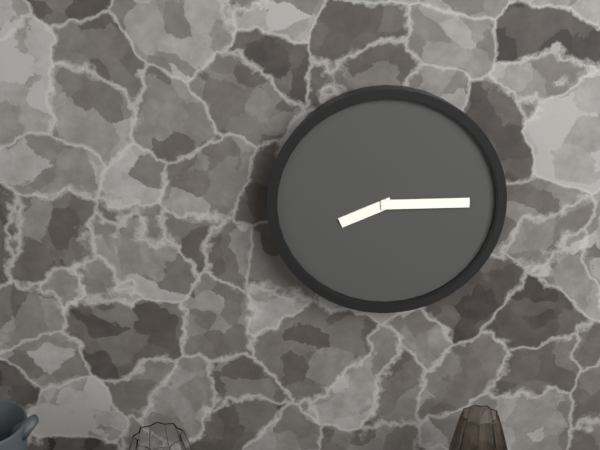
**8:15**
